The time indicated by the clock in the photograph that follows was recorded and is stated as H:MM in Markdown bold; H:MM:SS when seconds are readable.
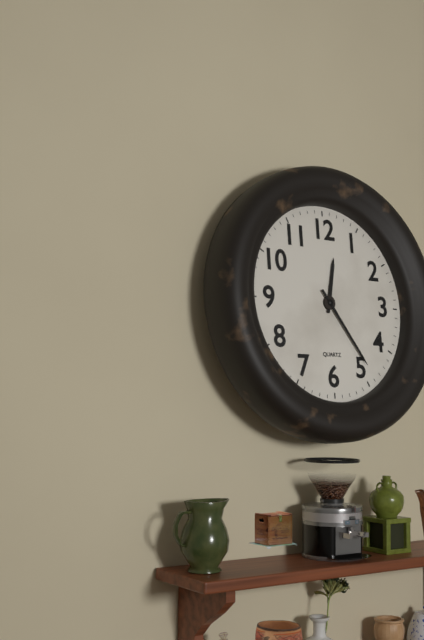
**12:24**
